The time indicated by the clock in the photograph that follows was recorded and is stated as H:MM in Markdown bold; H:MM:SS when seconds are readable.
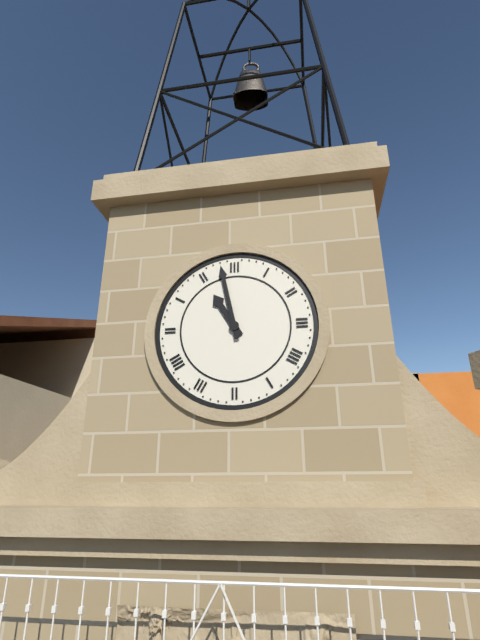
**10:58**
